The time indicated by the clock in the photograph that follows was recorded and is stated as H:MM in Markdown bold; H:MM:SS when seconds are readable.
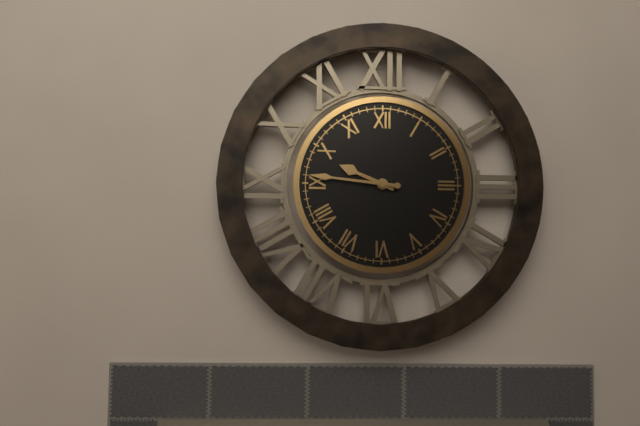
**9:46**
